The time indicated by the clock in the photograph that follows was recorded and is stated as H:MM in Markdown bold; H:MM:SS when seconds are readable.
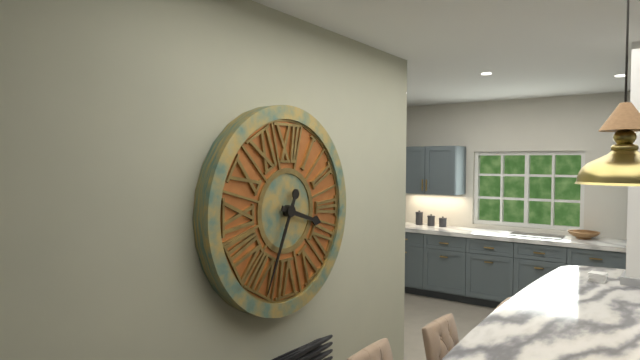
**3:34**
